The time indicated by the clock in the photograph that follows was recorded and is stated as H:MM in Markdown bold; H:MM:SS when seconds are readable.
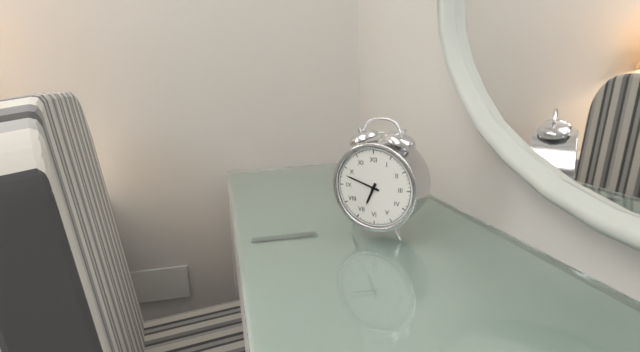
**6:48**
